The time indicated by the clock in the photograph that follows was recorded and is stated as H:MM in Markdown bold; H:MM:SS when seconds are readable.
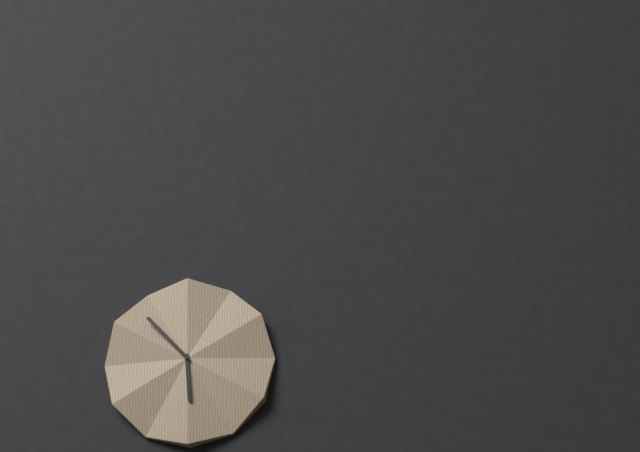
**5:53**
